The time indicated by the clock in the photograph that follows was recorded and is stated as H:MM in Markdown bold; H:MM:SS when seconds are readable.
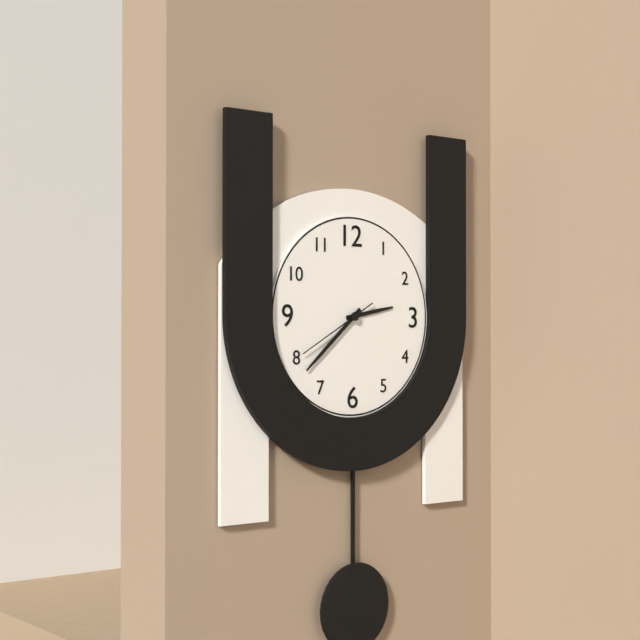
**2:38:40**
